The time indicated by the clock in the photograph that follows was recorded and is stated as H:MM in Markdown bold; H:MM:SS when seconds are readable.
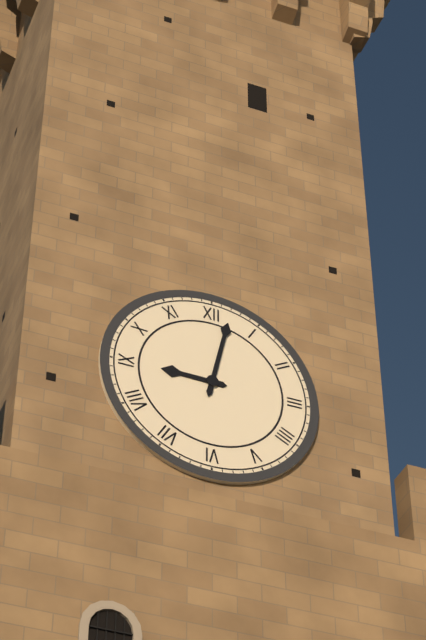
**9:02**
